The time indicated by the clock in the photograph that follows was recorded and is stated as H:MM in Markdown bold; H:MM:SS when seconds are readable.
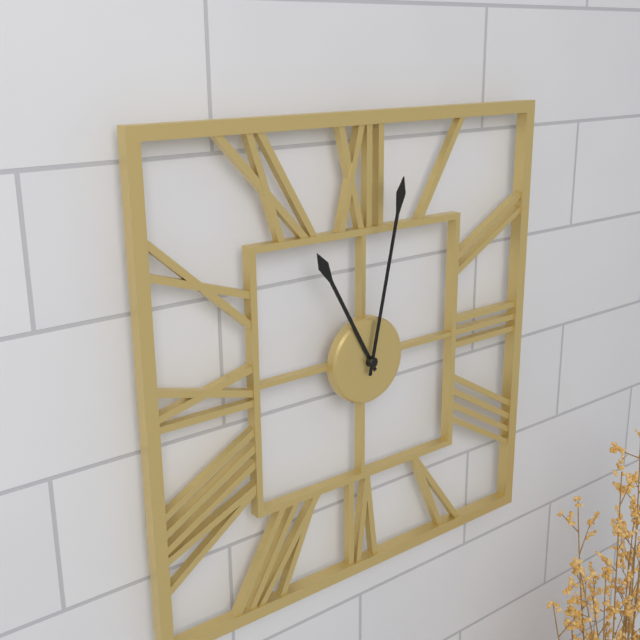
**11:02**
